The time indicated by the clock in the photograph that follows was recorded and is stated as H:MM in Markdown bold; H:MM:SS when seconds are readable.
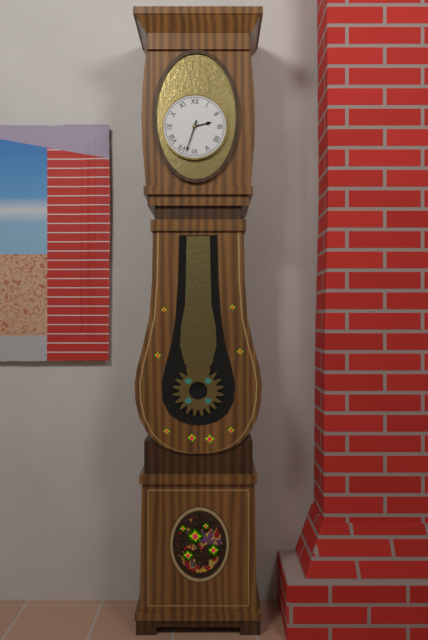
**2:33**
